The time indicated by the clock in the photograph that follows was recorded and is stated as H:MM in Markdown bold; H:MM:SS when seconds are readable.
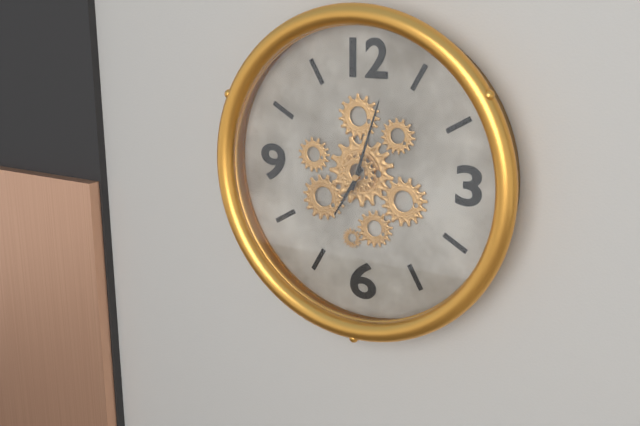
**7:03**
